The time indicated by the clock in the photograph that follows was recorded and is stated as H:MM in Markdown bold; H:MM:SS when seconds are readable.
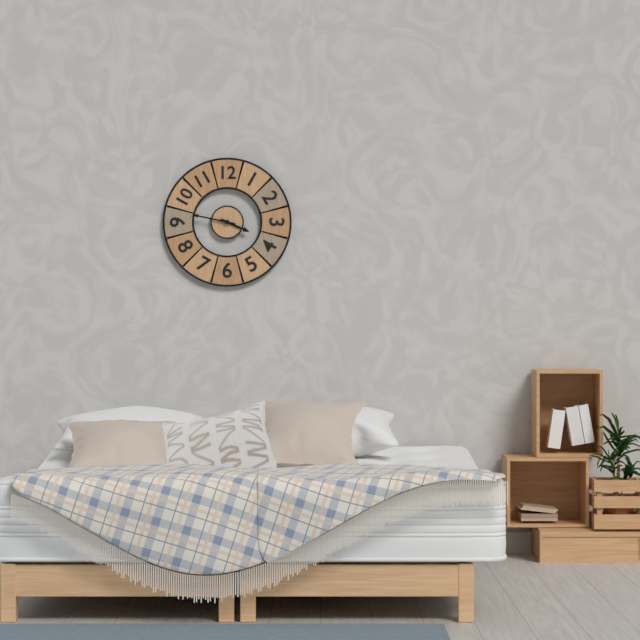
**3:47**
